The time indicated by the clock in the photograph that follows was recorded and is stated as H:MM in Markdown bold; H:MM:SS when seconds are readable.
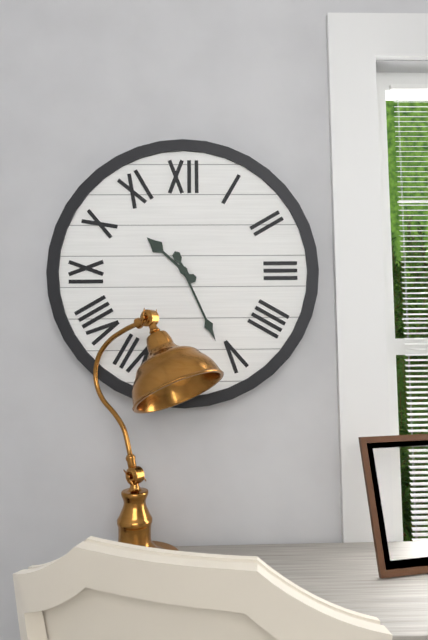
**10:26**
